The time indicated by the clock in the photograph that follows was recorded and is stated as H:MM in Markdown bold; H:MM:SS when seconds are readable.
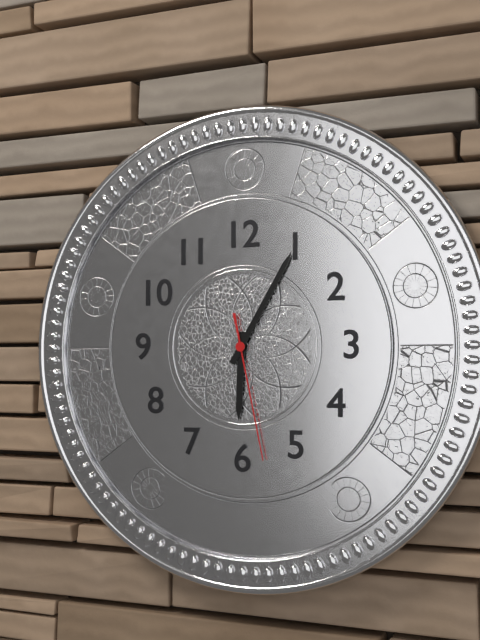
**6:05:28**
